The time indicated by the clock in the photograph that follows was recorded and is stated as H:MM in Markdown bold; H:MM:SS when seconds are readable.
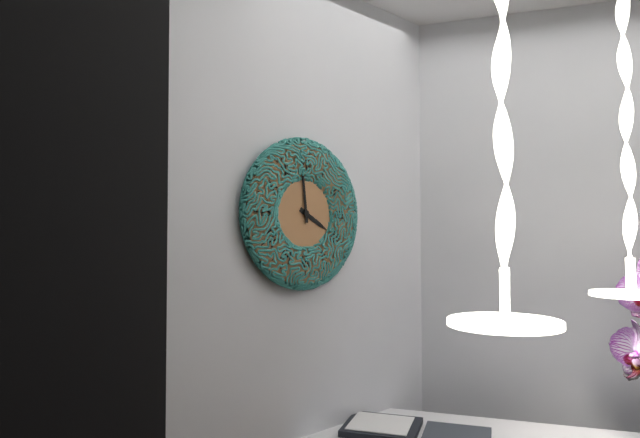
**3:59**
